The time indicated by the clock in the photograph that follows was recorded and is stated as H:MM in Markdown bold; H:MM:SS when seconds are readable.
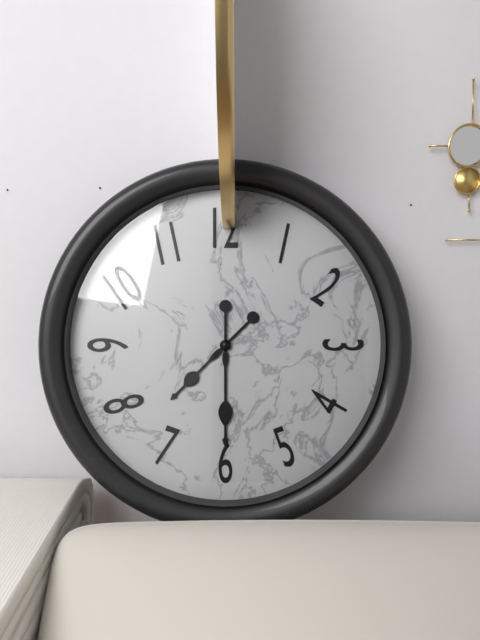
**7:30**
